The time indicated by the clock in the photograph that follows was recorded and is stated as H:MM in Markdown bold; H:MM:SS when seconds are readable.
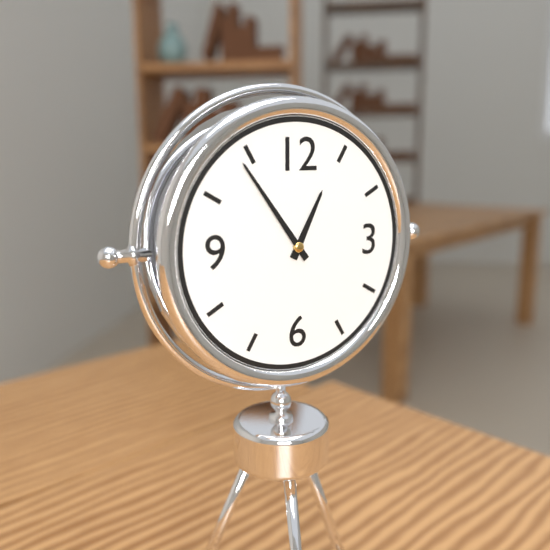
**12:54**
